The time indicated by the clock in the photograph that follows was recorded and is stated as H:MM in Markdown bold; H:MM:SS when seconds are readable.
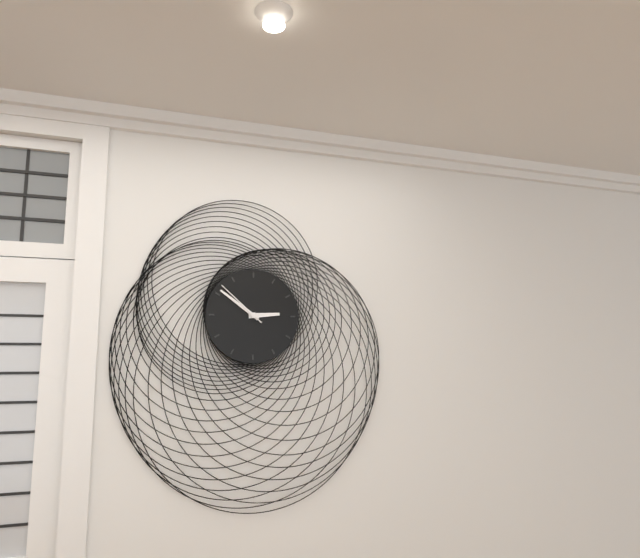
**2:51:52**
